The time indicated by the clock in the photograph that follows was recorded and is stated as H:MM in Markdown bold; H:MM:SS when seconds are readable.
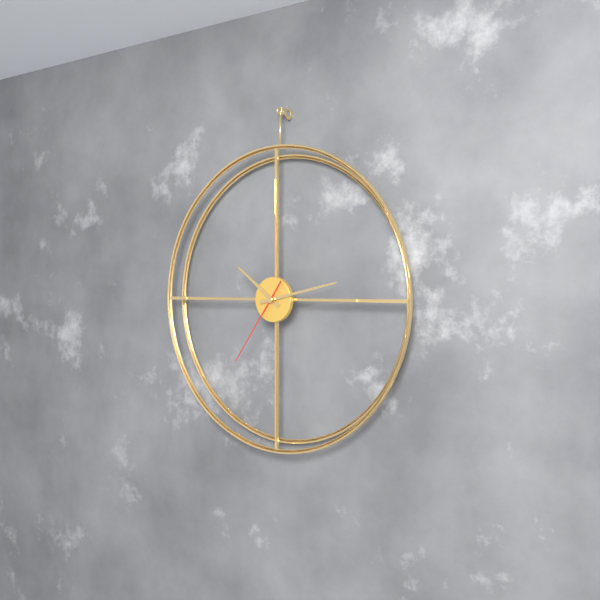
**10:13:36**
